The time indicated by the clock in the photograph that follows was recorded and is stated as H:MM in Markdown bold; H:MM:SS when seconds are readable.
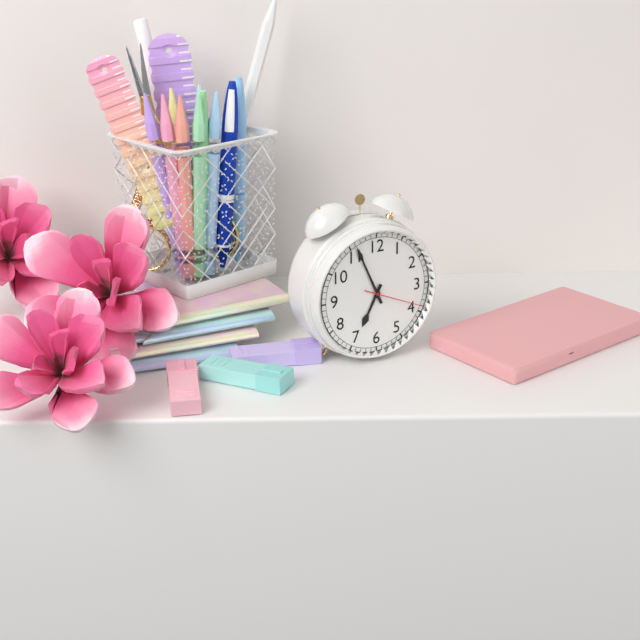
**6:56:19**
